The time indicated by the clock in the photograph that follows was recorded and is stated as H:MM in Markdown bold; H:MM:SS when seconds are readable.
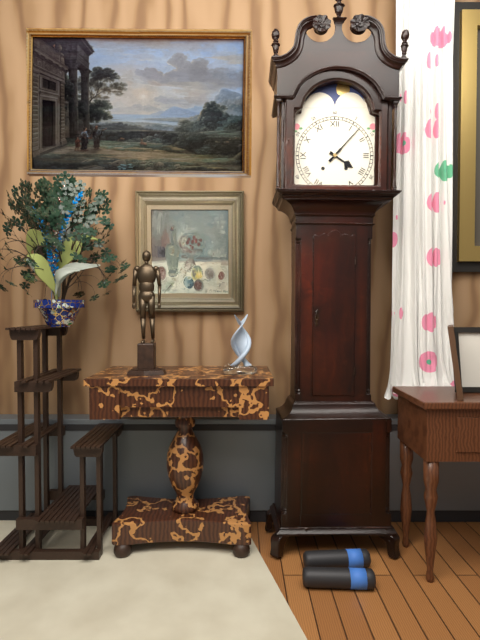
**4:07**
